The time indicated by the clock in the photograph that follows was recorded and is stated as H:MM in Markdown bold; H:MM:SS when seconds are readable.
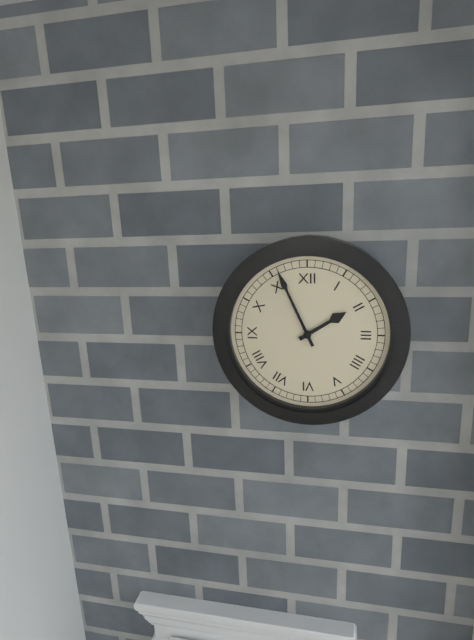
**1:56**
